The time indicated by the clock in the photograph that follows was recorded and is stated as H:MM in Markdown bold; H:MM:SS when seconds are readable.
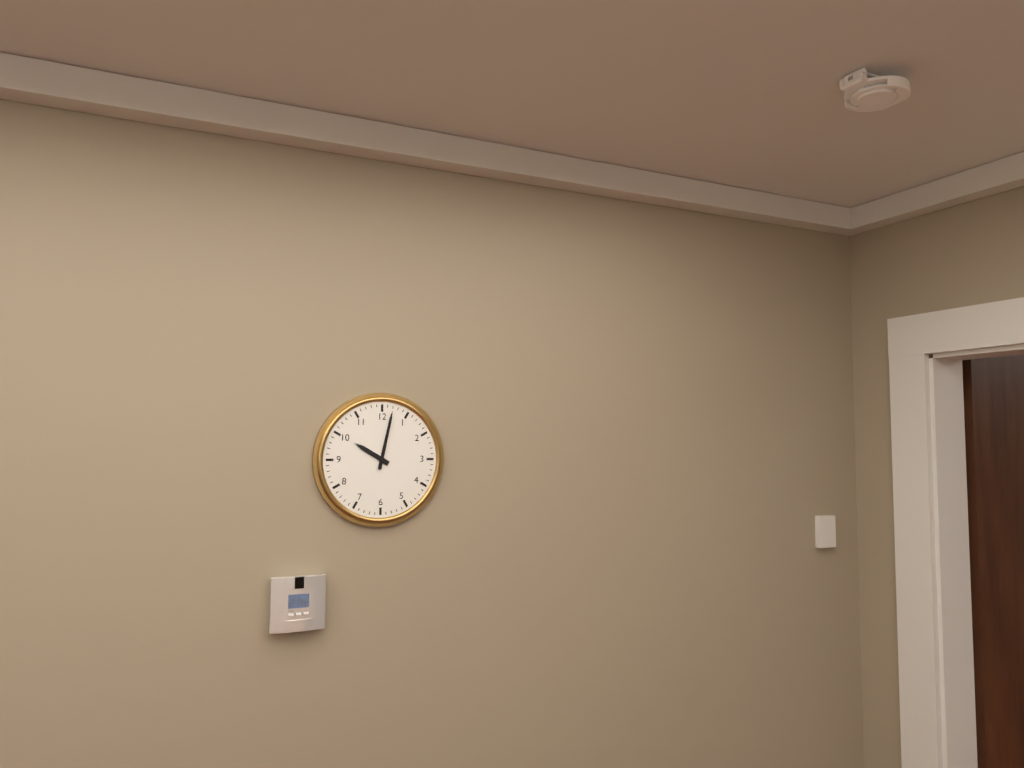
**10:02**
